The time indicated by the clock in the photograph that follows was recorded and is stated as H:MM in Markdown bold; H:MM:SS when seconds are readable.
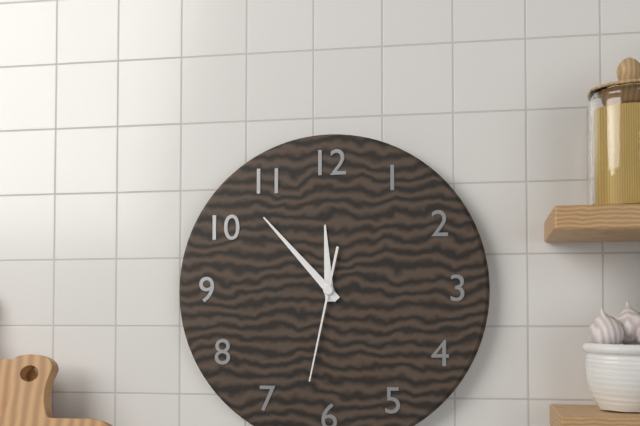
**11:53:32**
